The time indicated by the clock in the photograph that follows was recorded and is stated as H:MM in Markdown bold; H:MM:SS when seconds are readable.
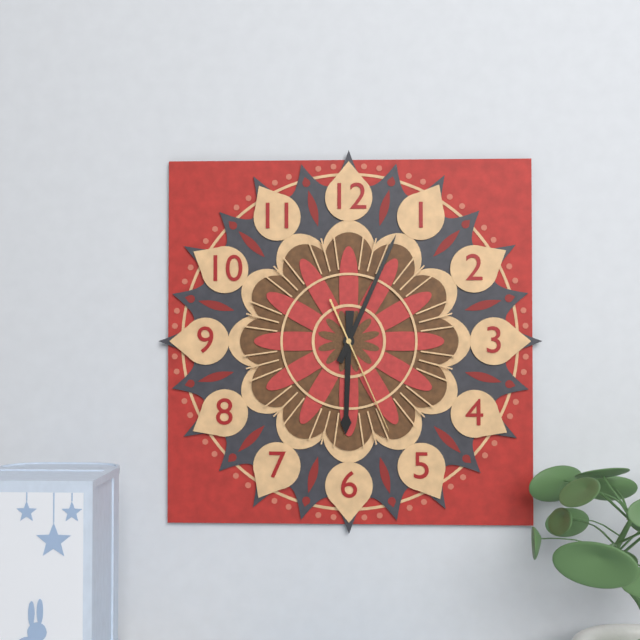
**6:04:26**
